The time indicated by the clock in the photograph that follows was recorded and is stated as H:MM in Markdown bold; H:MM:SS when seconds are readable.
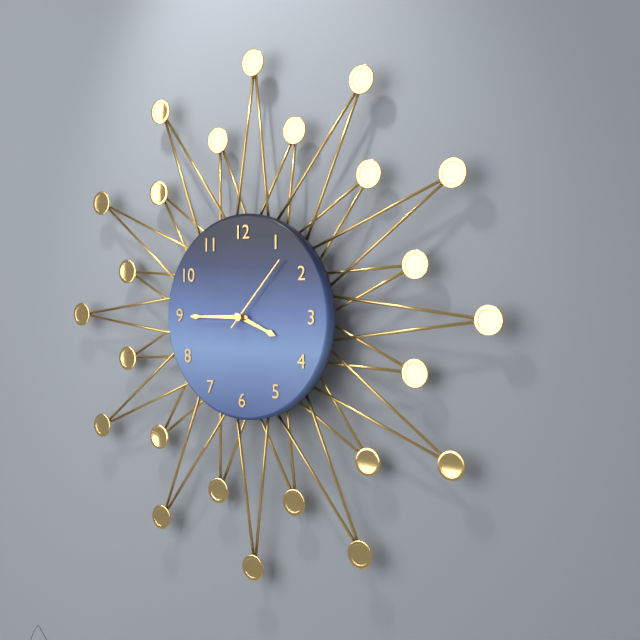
**3:45:07**
